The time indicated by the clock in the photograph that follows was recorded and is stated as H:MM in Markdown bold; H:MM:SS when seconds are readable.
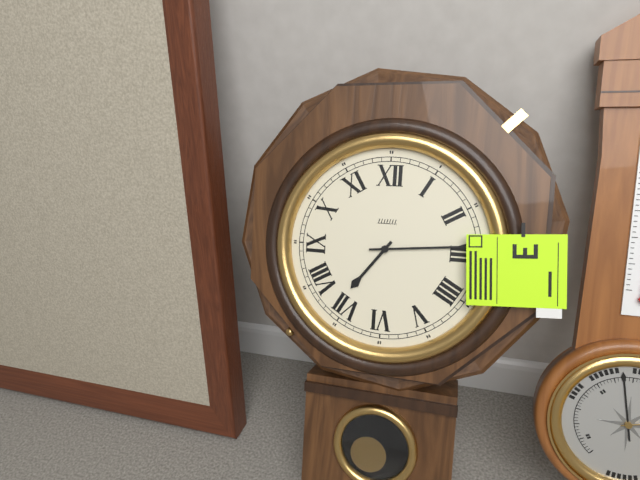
**7:14**
